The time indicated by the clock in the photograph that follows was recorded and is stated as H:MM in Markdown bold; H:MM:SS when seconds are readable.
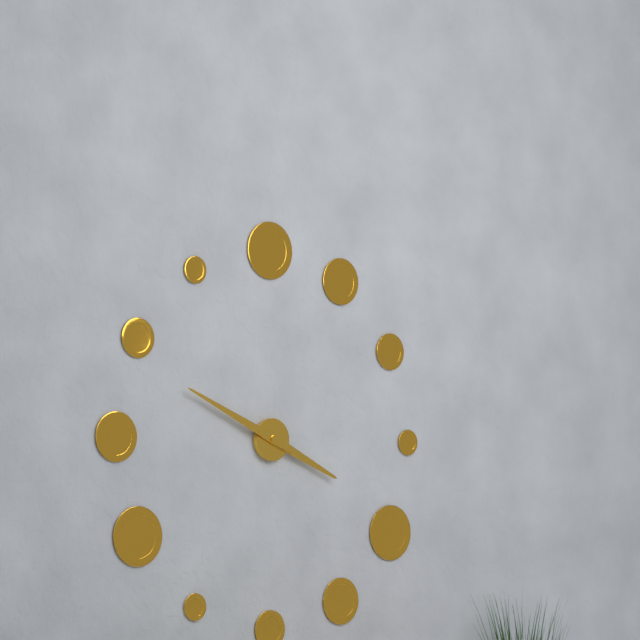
**3:49**
